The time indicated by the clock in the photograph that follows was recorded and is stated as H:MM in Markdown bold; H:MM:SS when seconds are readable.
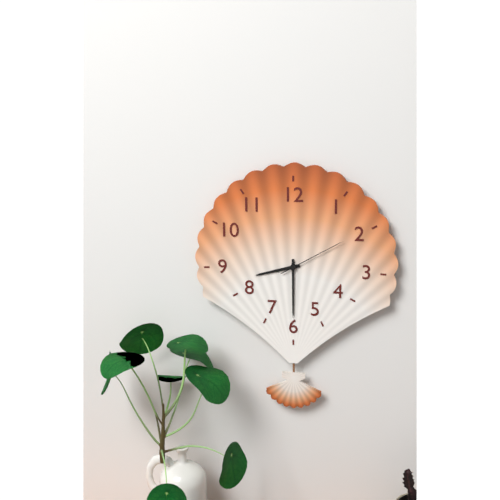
**8:30:10**
